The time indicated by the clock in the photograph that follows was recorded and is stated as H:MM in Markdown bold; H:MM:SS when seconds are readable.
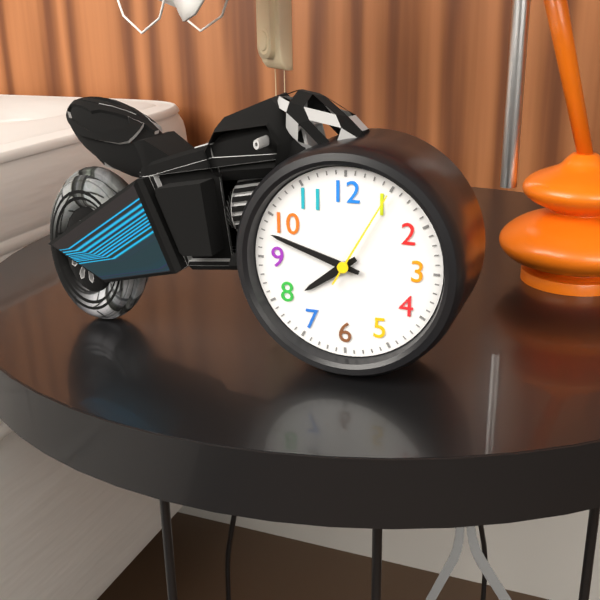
**7:48:05**
